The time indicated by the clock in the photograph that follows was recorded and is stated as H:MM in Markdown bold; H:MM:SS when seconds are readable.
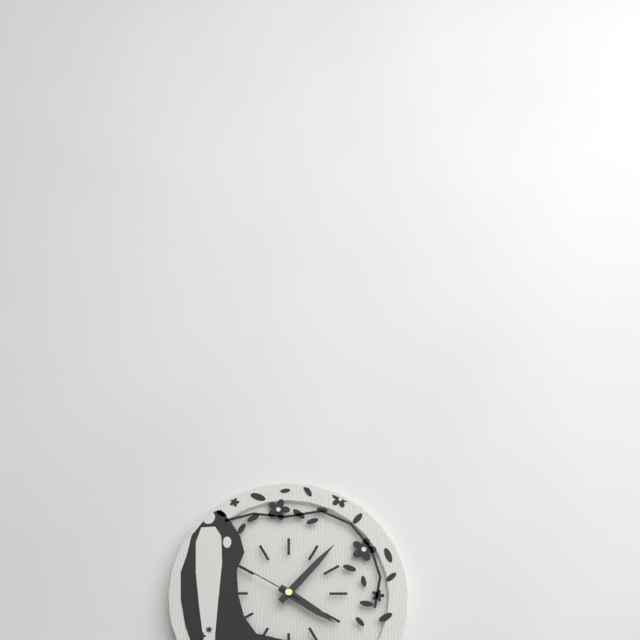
**4:07:50**
